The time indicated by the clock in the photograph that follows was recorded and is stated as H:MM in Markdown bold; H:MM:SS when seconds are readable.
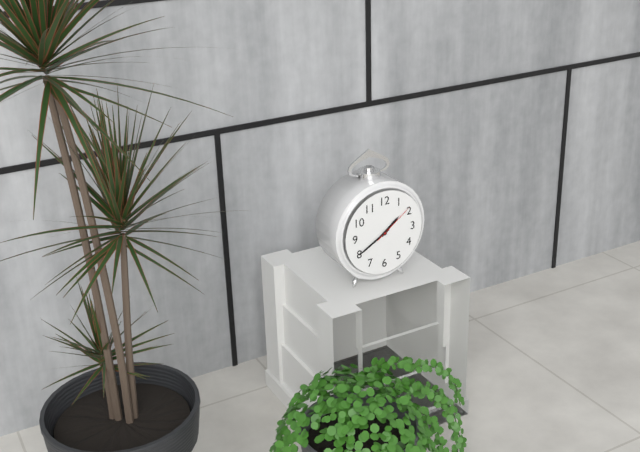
**1:40**
